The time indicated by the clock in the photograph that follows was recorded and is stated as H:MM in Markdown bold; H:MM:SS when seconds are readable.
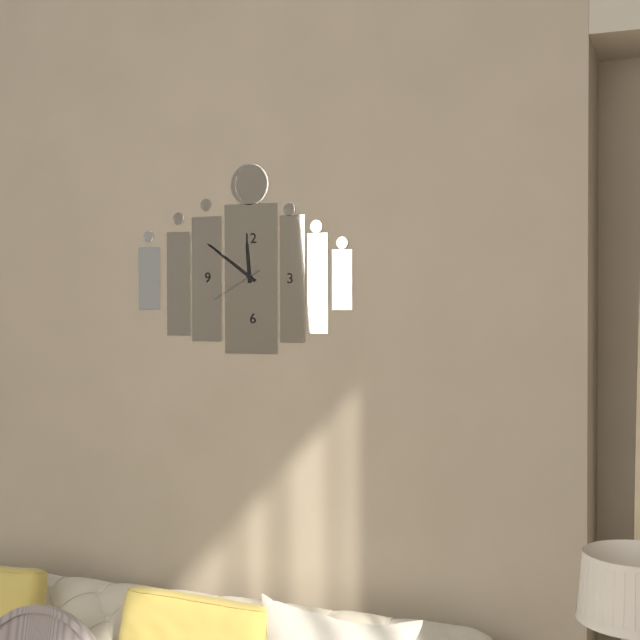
**11:51:40**
